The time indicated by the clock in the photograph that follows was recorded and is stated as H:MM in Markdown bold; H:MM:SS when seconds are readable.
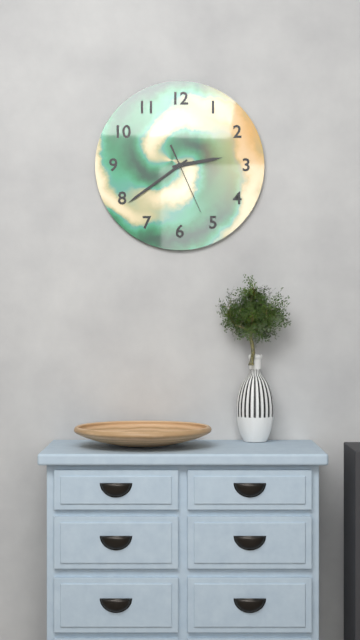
**2:39:26**
